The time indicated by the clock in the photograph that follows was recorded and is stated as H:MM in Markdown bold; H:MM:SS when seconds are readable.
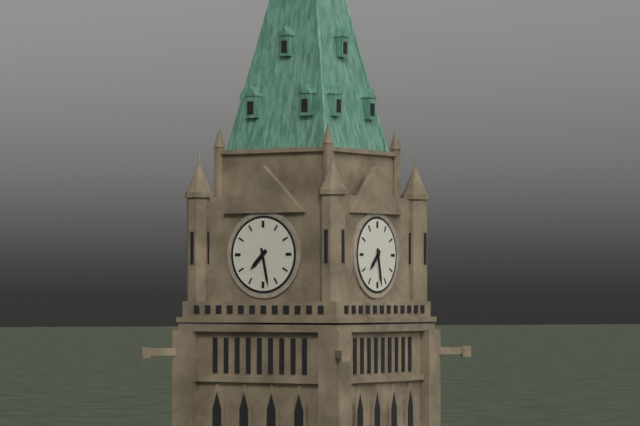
**7:28**
